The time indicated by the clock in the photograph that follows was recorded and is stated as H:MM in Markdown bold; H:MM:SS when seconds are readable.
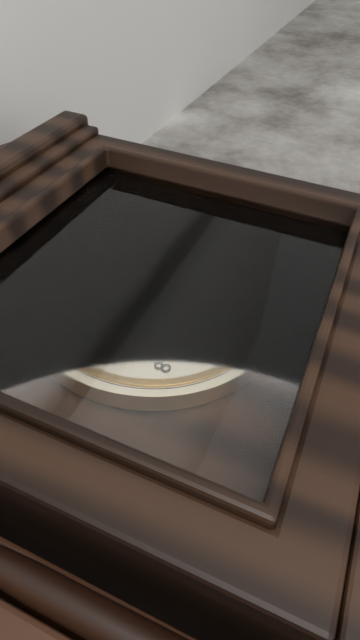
**2:09**
